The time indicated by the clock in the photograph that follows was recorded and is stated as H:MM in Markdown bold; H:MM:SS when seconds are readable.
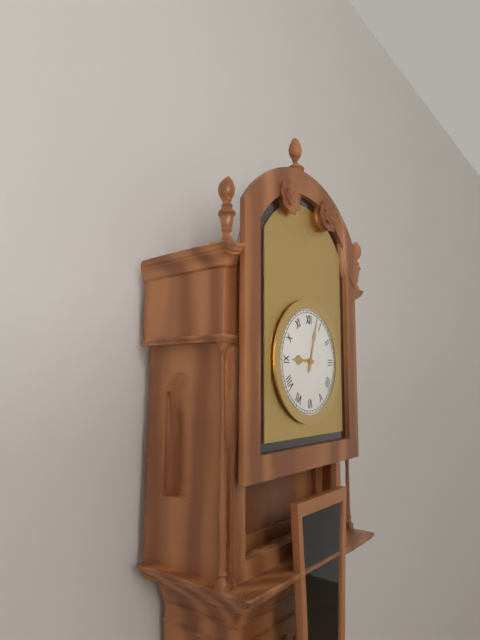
**9:03**
